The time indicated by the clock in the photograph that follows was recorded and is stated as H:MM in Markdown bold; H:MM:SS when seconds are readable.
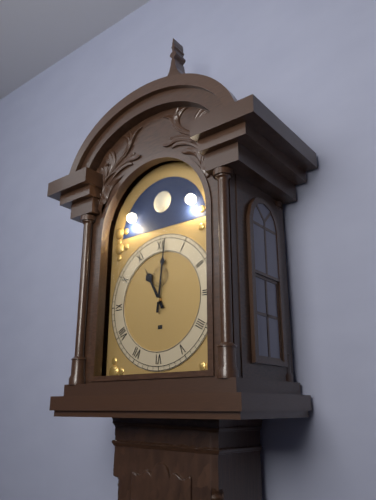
**11:01**
